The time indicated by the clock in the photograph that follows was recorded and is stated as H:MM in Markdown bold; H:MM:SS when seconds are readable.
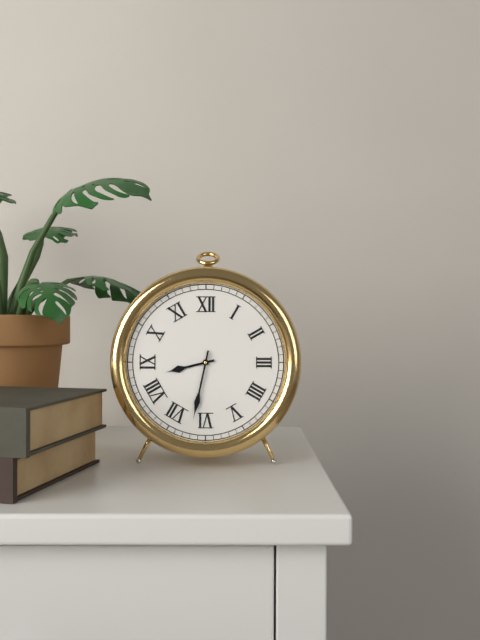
**8:32**
